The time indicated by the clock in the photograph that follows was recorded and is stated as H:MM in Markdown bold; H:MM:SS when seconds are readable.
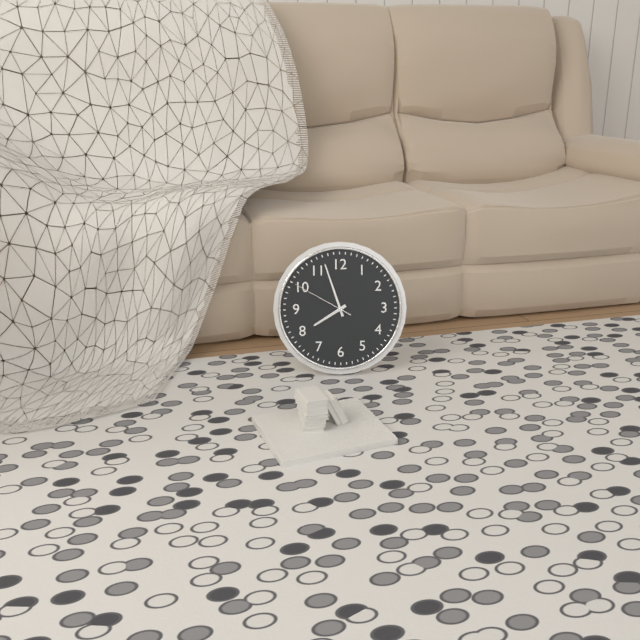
**7:57:50**
